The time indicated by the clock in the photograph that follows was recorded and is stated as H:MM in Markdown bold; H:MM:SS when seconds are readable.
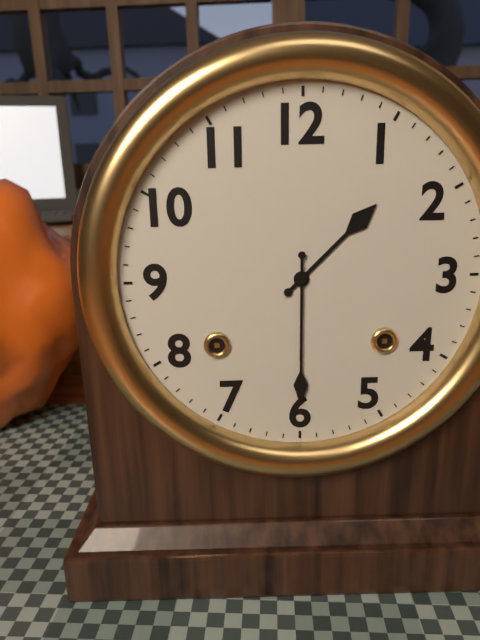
**1:30**
